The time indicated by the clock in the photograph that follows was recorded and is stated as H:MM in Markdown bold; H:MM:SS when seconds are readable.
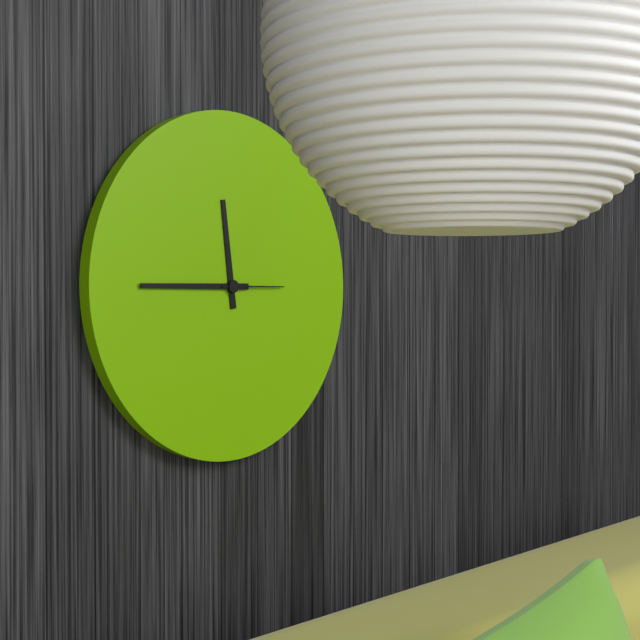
**11:45:15**
